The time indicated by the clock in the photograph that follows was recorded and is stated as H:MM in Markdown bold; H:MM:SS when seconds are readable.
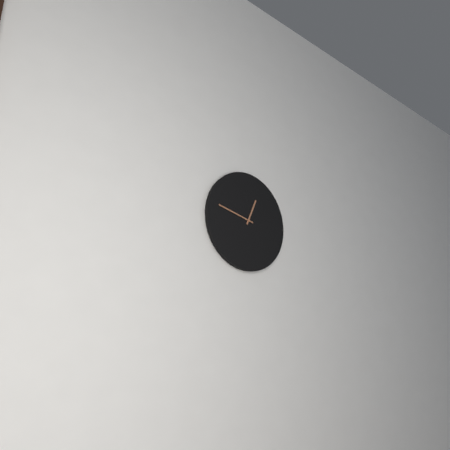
**12:47**
